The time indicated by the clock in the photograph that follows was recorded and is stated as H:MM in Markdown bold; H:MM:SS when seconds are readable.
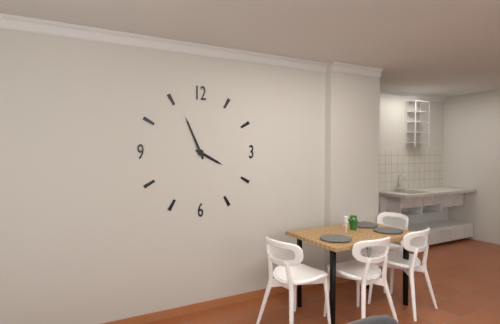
**3:56**
